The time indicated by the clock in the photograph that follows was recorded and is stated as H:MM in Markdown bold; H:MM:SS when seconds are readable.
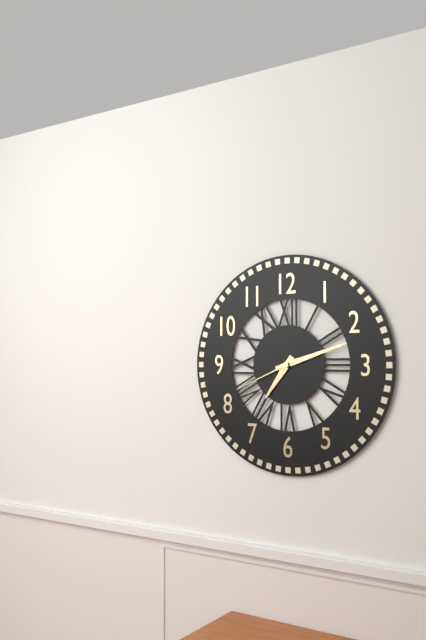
**7:12:41**
